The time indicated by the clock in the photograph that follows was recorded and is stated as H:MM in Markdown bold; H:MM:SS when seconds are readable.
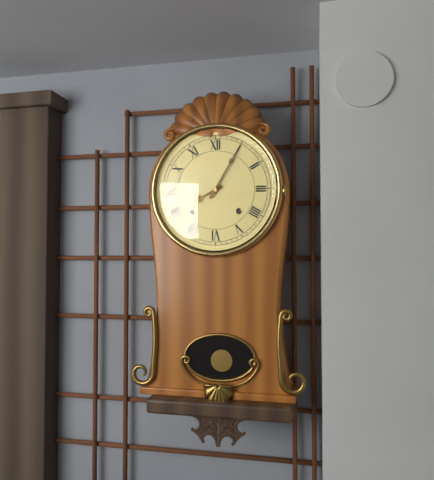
**8:05**
